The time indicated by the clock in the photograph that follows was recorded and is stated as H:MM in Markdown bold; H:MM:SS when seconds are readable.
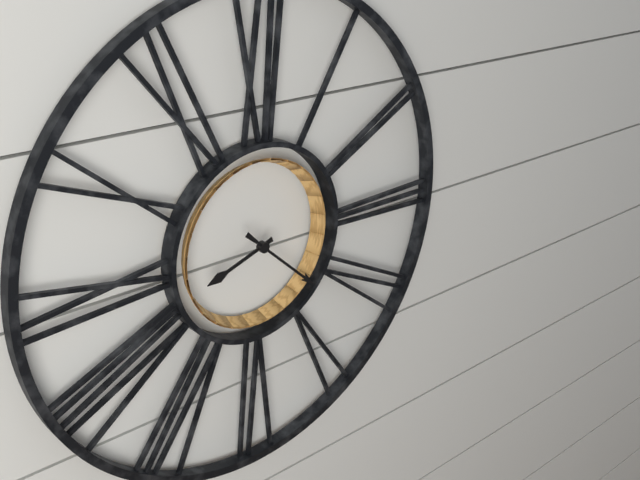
**8:22**
